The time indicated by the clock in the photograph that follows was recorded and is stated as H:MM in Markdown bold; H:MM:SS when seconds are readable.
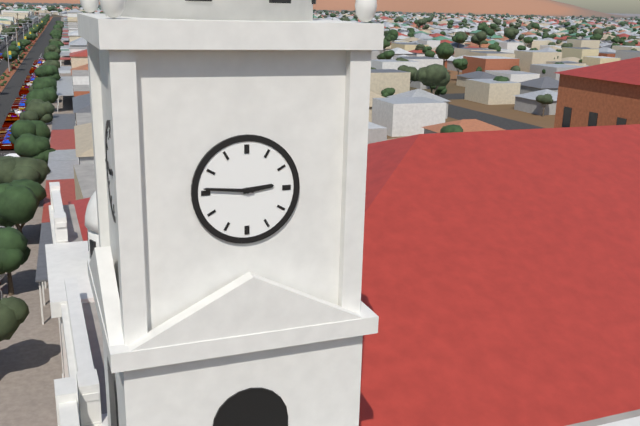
**2:46**
